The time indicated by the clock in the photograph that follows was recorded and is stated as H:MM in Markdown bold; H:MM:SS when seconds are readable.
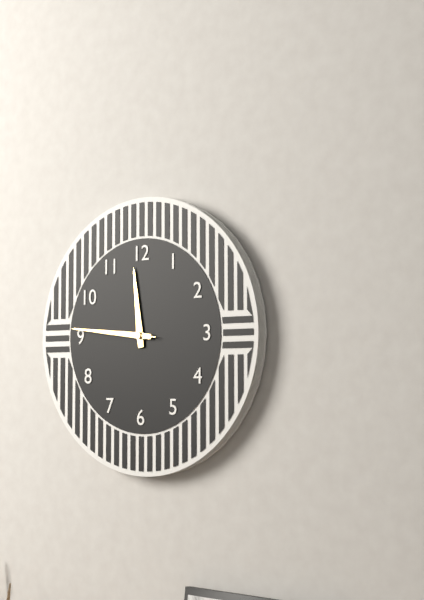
**11:46:46**
